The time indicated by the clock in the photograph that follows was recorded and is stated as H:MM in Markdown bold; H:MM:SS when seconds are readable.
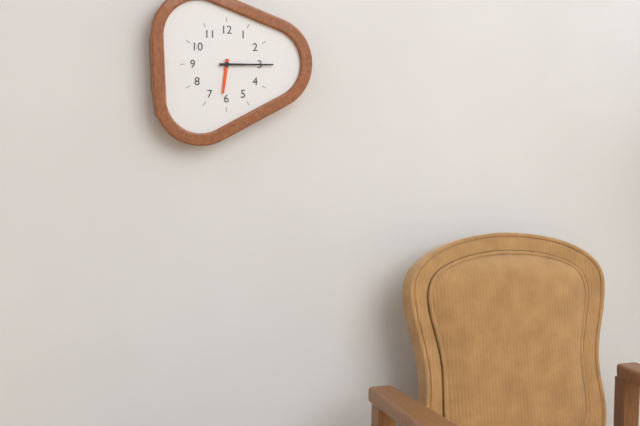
**6:15**
